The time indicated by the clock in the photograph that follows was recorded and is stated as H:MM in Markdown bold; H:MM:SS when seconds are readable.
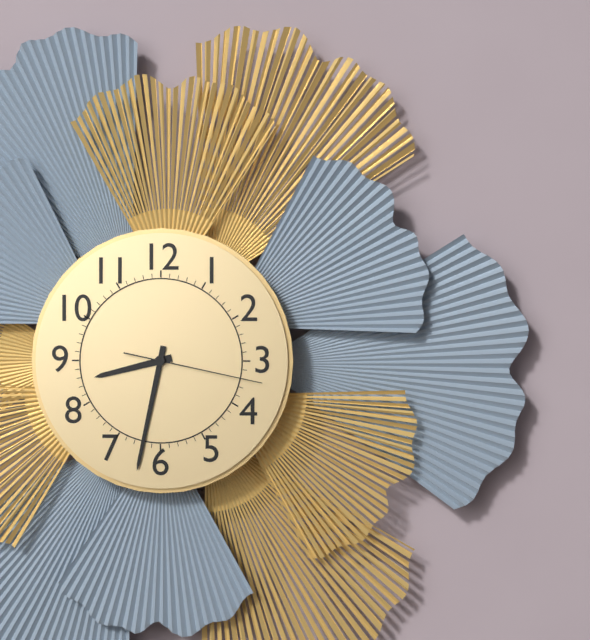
**8:32:17**
